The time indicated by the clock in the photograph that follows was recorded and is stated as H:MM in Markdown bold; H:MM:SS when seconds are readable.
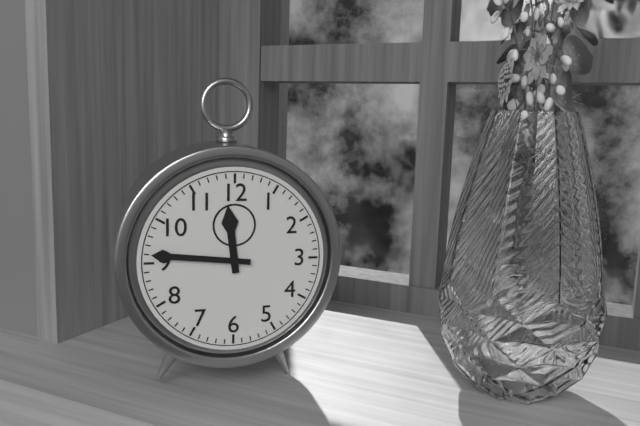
**11:46**
